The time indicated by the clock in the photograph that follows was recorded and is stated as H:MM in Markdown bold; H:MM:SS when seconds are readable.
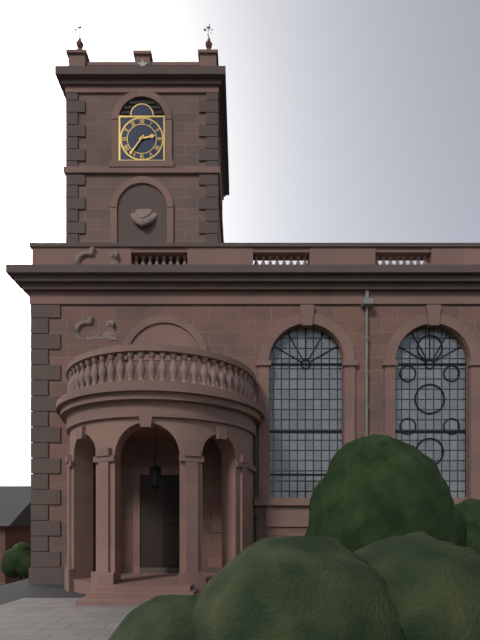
**2:36**
